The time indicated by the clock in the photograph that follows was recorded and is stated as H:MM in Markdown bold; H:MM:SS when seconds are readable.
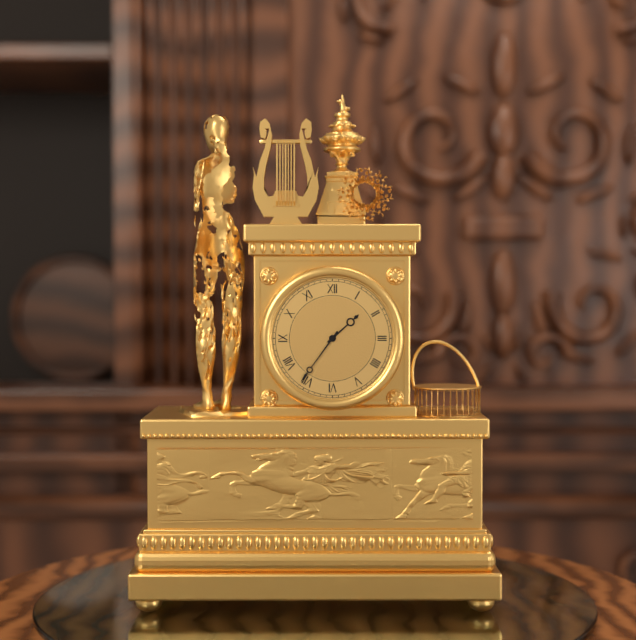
**1:36**
